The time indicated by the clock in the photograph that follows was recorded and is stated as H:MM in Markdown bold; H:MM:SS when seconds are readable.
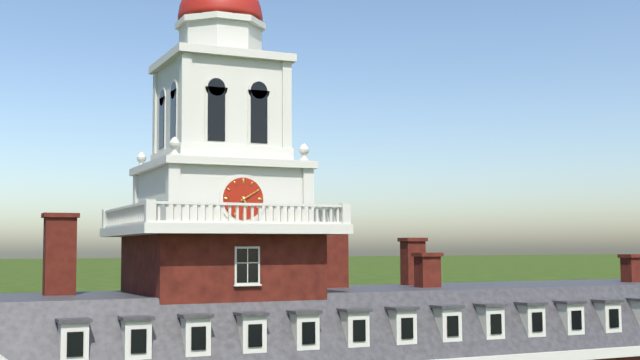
**5:10**
